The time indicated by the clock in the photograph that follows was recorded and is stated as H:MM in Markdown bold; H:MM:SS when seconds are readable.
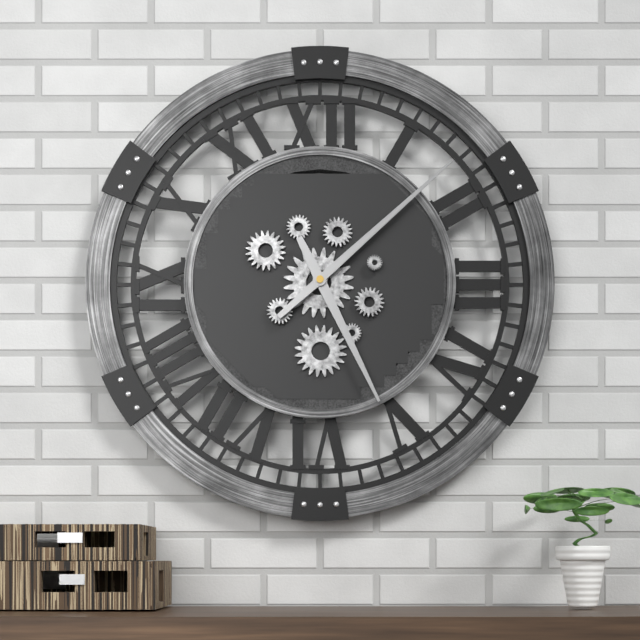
**5:08**
